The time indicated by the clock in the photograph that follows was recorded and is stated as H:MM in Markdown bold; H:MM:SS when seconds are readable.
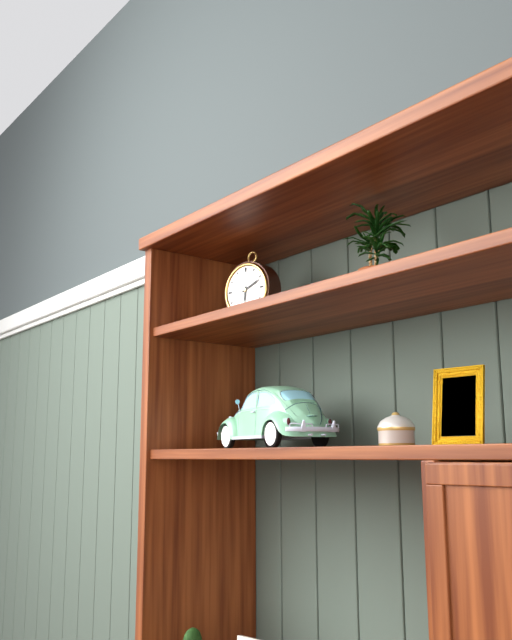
**6:11**
